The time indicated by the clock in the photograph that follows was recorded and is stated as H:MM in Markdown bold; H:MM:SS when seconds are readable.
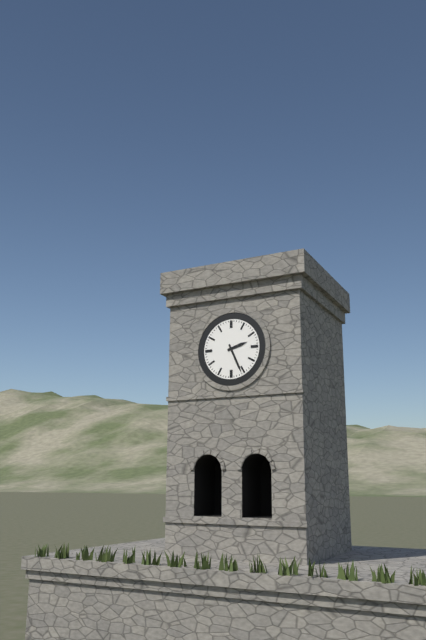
**2:26**
